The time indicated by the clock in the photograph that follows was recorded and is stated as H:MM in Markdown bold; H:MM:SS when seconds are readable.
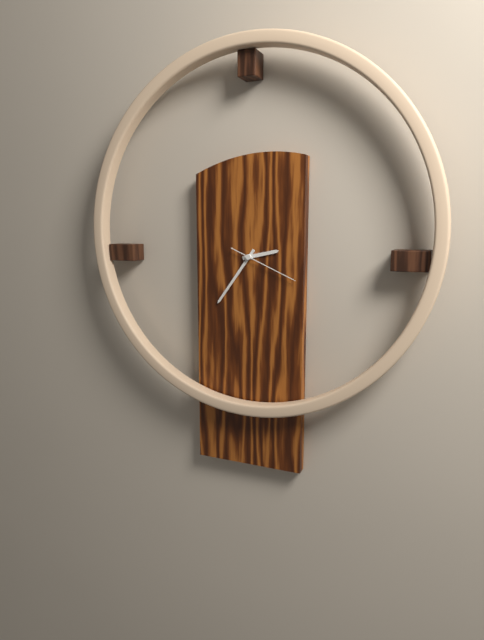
**2:36:19**
